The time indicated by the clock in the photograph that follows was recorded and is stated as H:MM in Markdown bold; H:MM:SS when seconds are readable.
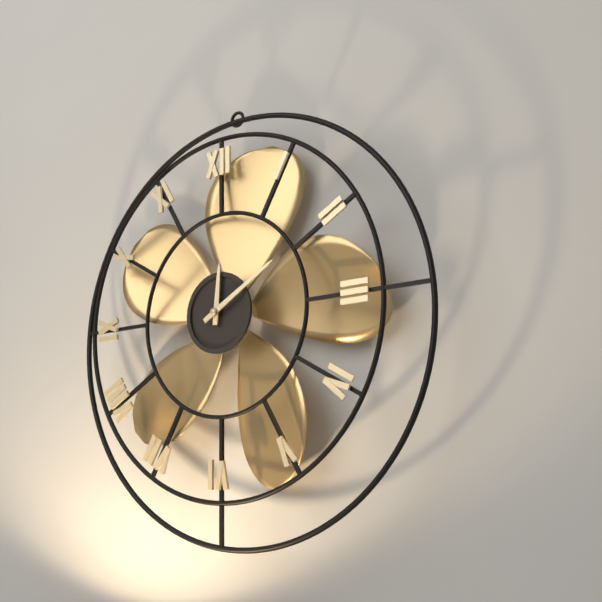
**12:10**
